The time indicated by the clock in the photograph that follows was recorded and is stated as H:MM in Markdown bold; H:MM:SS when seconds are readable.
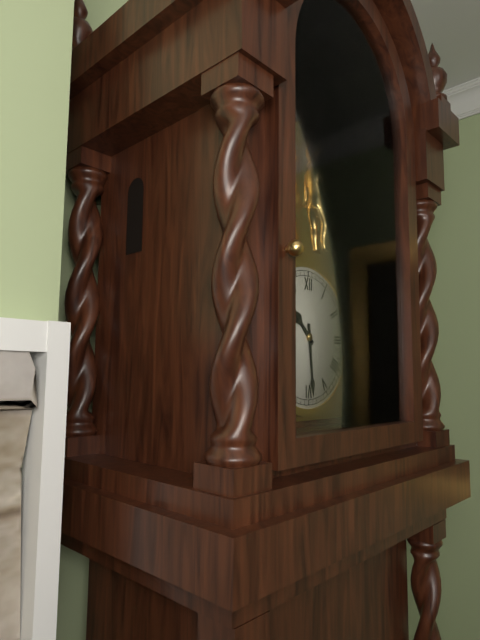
**10:29**
